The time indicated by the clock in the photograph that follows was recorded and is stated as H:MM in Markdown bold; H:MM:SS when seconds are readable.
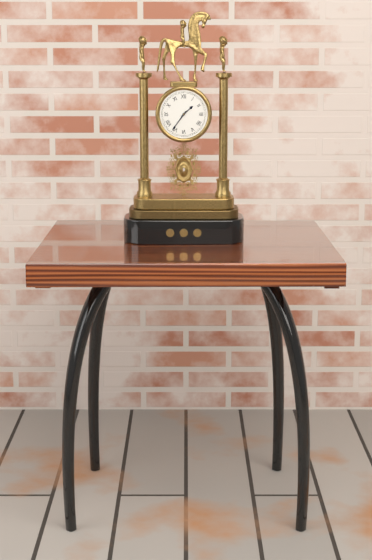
**1:36**
